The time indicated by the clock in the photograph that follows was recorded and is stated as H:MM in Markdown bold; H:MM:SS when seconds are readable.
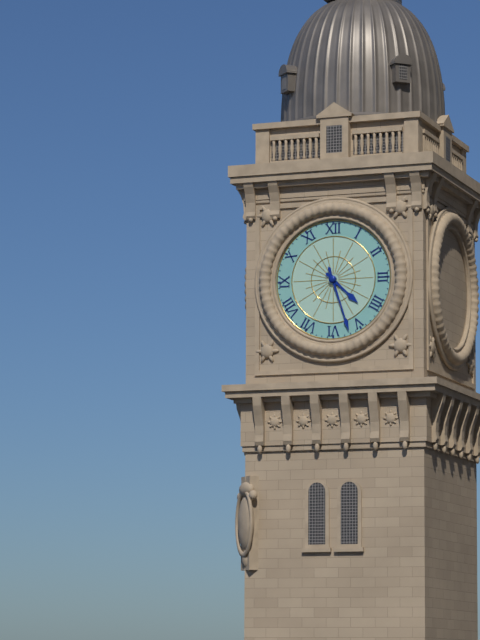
**4:27**
